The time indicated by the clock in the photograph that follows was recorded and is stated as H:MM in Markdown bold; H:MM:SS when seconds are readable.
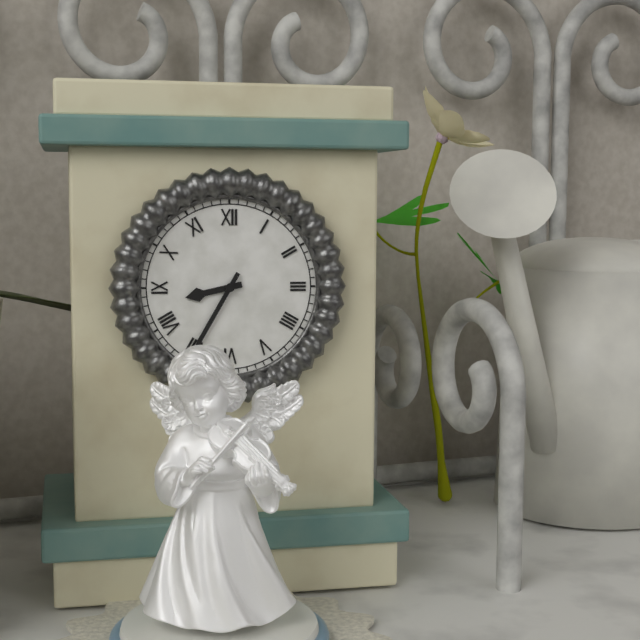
**8:35**
